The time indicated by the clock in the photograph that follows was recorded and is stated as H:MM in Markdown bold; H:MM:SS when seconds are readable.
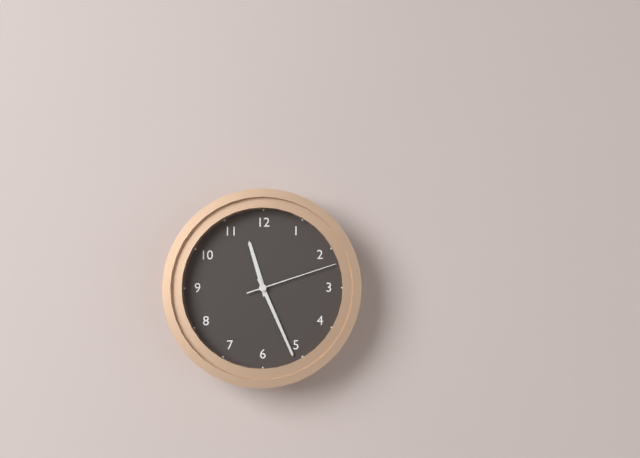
**11:26:12**
